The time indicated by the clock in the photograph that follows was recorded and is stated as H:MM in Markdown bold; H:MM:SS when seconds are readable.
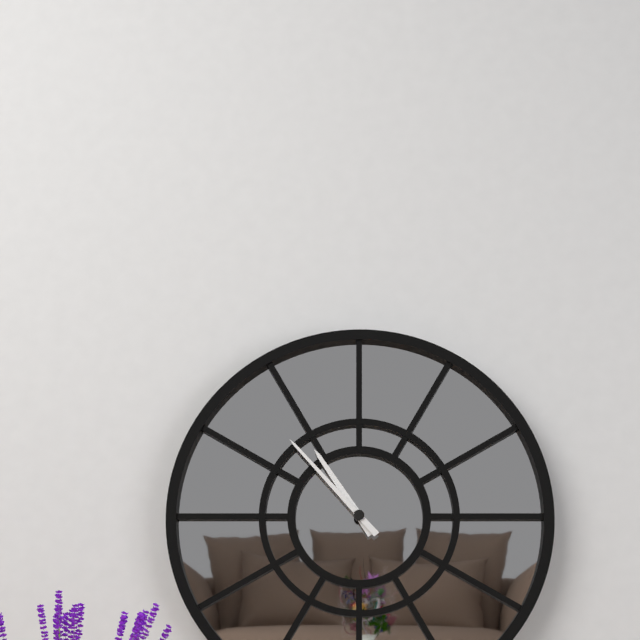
**10:53**
